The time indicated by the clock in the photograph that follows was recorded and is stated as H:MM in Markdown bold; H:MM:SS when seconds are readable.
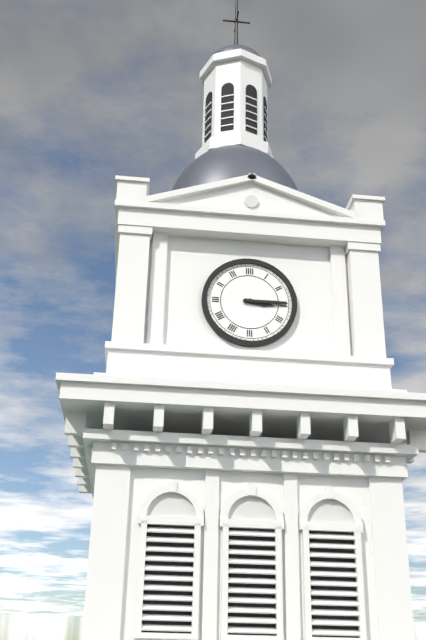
**3:15**
